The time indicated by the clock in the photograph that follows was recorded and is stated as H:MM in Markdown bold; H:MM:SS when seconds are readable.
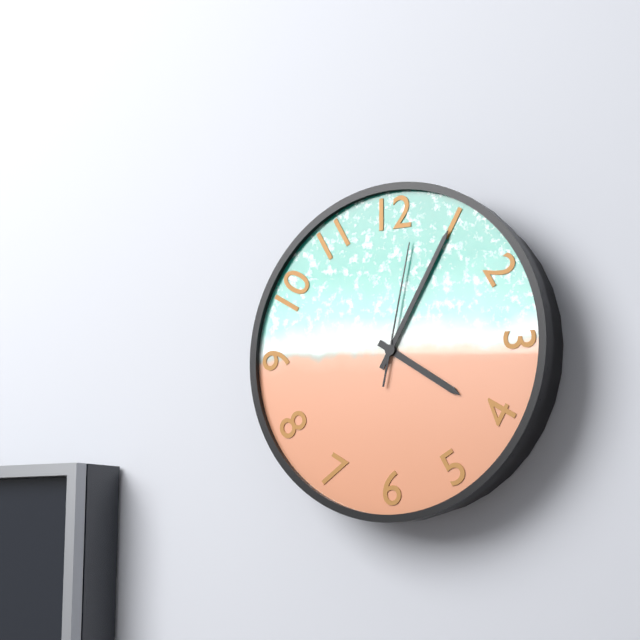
**4:05:02**
